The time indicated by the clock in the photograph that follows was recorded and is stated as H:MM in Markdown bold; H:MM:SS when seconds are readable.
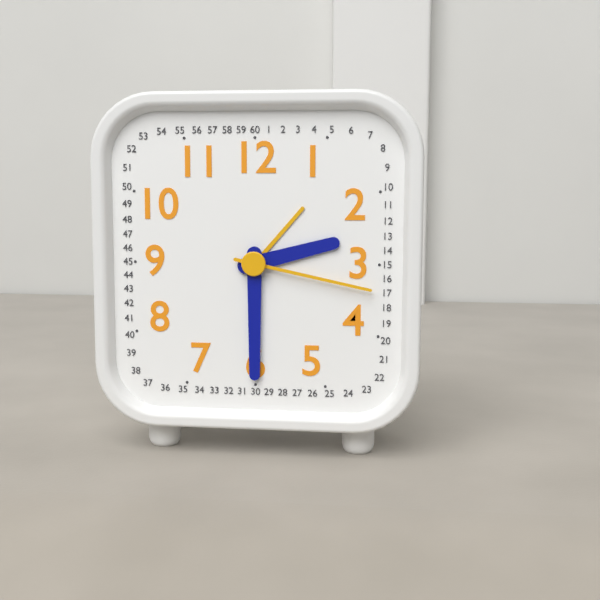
**2:30:17**
